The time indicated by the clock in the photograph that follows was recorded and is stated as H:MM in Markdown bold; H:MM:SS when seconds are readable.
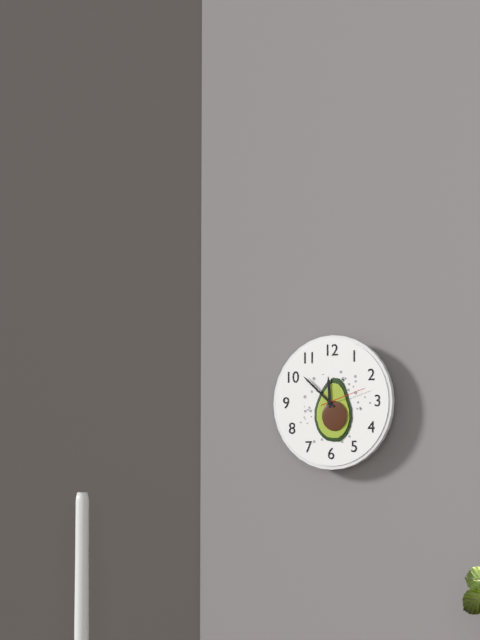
**11:52**
